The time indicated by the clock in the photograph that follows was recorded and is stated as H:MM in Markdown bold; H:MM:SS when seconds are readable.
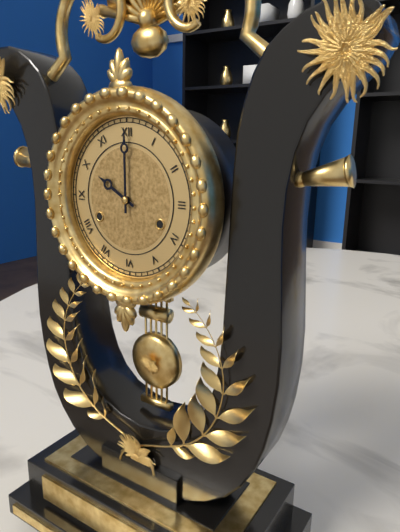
**10:00**
